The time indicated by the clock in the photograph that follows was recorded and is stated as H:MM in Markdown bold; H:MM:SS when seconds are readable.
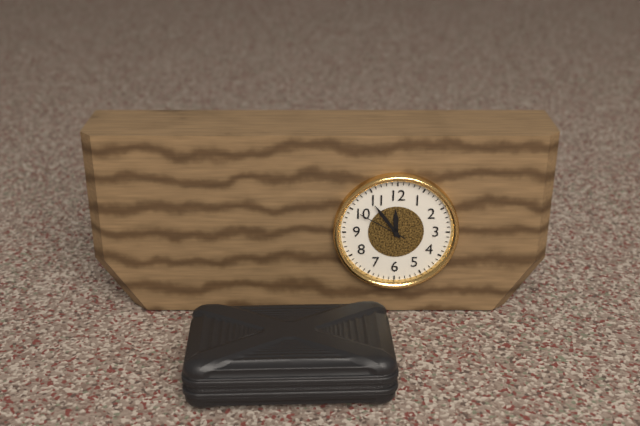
**11:54:50**
